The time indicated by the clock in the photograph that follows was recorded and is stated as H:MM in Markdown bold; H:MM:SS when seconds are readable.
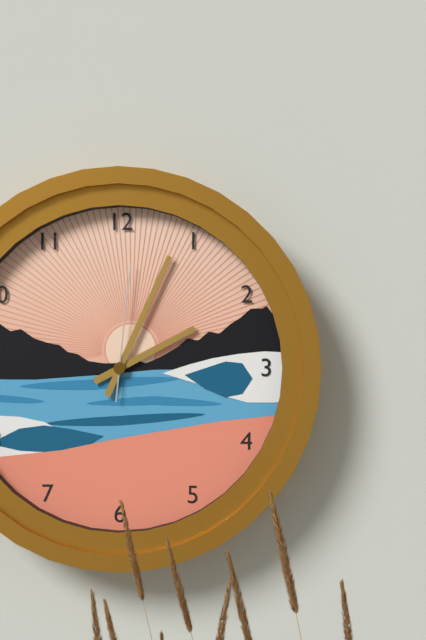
**2:04:01**
